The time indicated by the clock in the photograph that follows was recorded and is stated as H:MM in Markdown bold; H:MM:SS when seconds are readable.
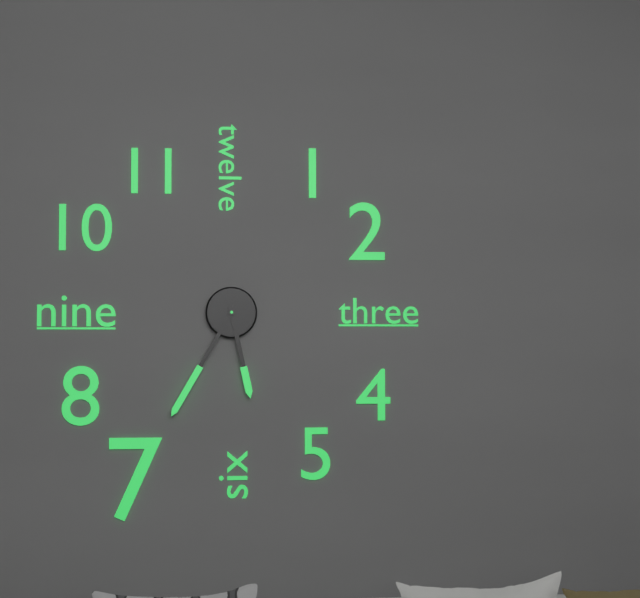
**5:35**
